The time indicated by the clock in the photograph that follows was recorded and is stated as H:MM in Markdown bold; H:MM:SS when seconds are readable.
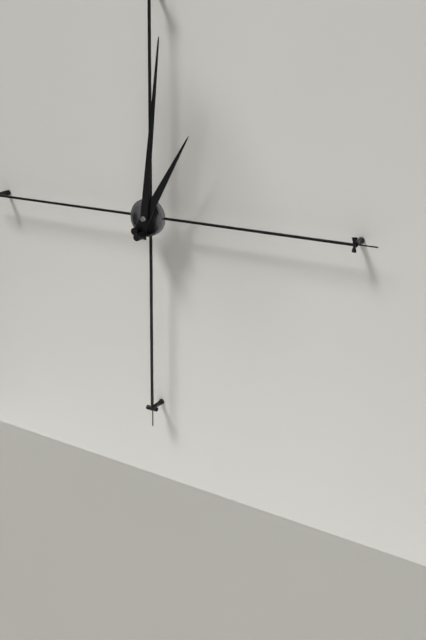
**1:01**
